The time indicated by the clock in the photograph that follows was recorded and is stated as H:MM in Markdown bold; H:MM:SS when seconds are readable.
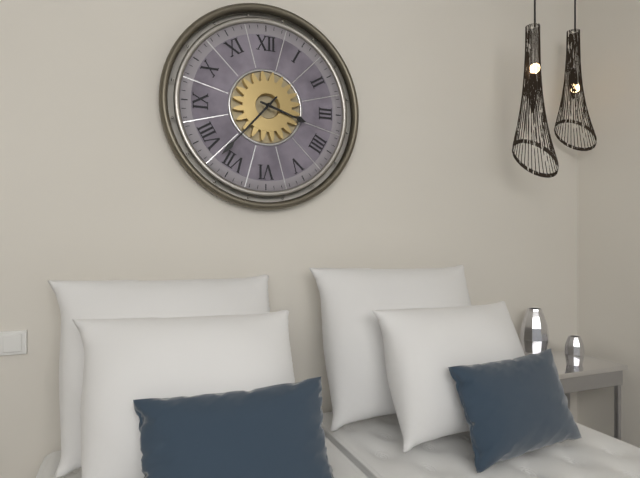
**3:37**
